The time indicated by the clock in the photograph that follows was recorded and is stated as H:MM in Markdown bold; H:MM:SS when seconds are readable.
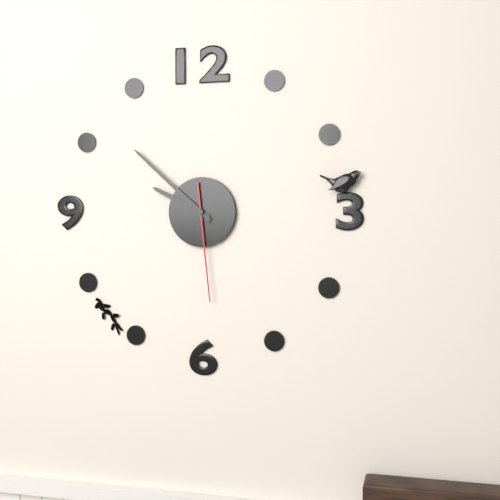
**9:52:29**
